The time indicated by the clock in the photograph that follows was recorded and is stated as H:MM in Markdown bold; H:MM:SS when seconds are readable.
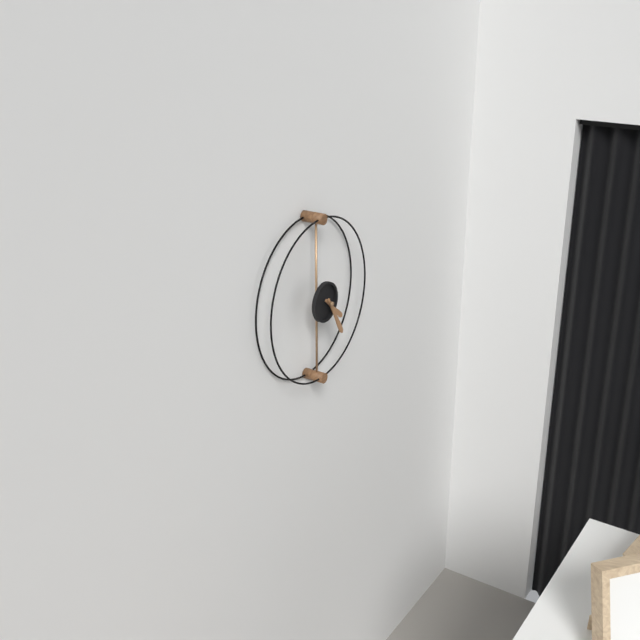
**4:25**
